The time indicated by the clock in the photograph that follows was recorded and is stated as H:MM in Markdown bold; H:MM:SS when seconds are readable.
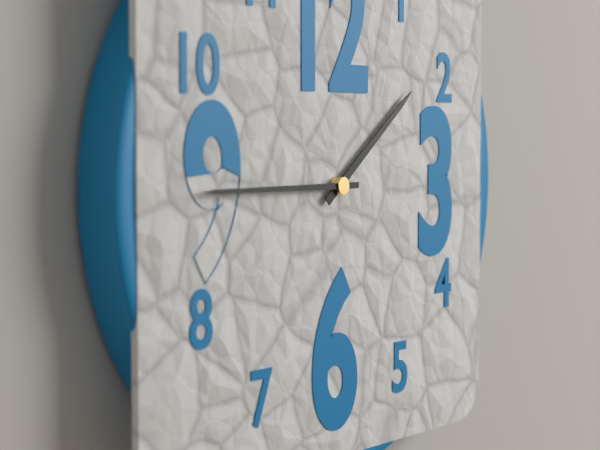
**1:45**
